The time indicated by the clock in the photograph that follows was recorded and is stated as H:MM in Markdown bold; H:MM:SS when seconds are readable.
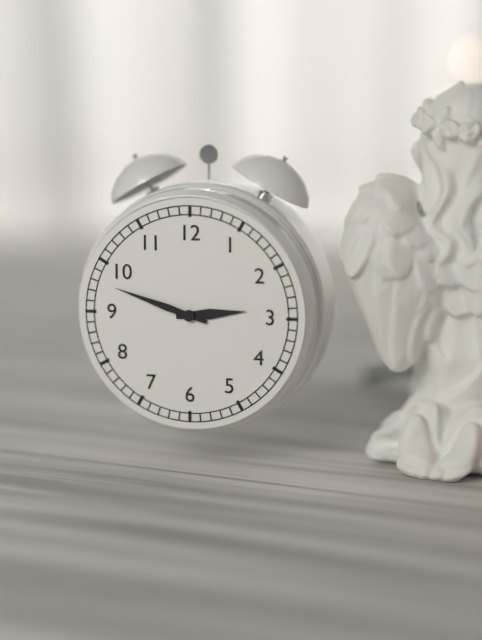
**2:48**
